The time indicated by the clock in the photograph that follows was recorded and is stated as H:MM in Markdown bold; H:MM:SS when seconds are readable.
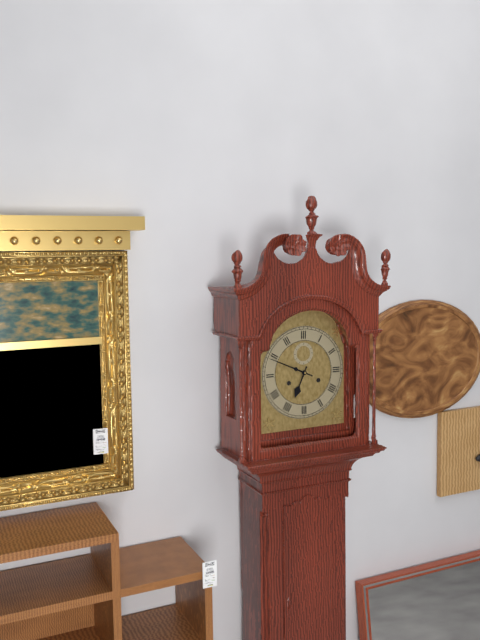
**6:49**
